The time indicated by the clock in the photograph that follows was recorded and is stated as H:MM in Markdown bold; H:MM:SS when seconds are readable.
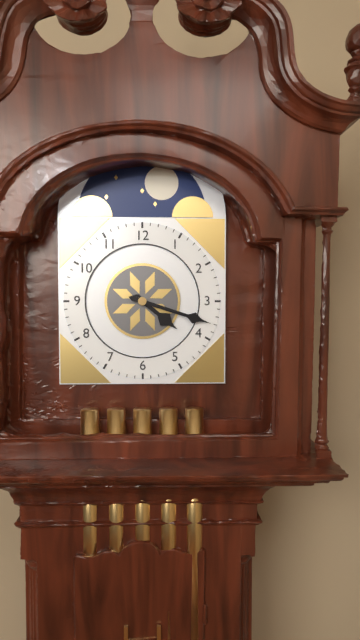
**4:18**
